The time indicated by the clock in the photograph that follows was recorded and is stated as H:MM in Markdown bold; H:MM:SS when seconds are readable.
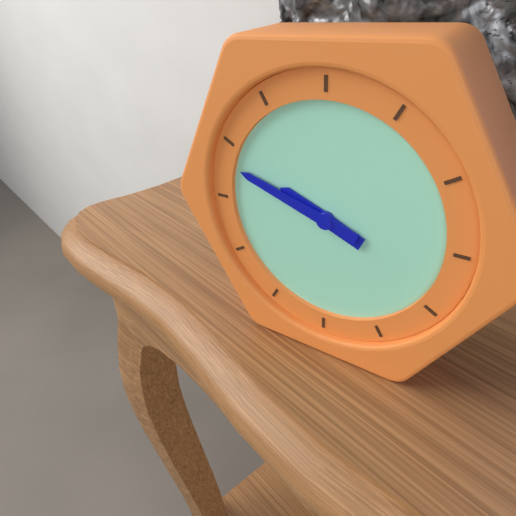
**9:48**
